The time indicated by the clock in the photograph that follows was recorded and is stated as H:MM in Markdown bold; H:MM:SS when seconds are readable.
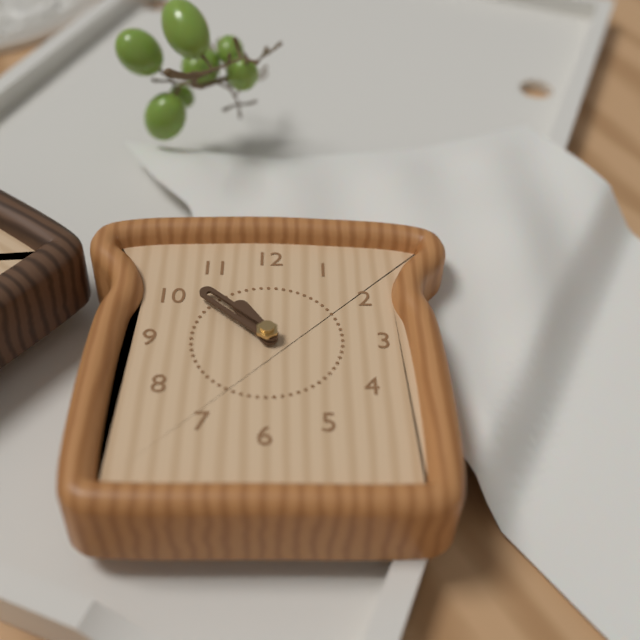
**10:52**
